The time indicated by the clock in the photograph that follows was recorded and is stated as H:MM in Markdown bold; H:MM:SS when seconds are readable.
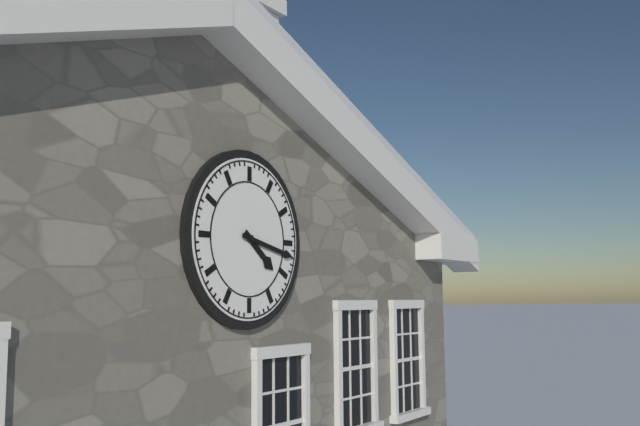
**4:17**
